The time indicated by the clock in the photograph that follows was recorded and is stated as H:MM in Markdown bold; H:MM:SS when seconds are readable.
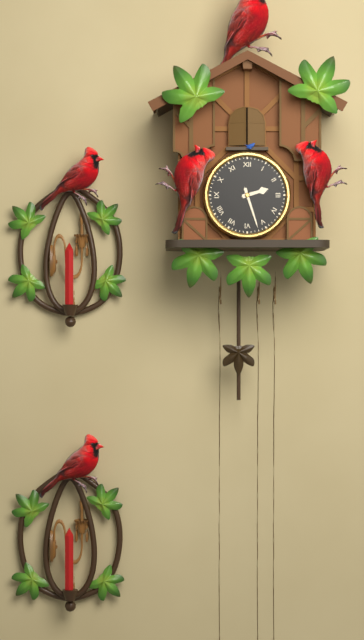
**2:27**
